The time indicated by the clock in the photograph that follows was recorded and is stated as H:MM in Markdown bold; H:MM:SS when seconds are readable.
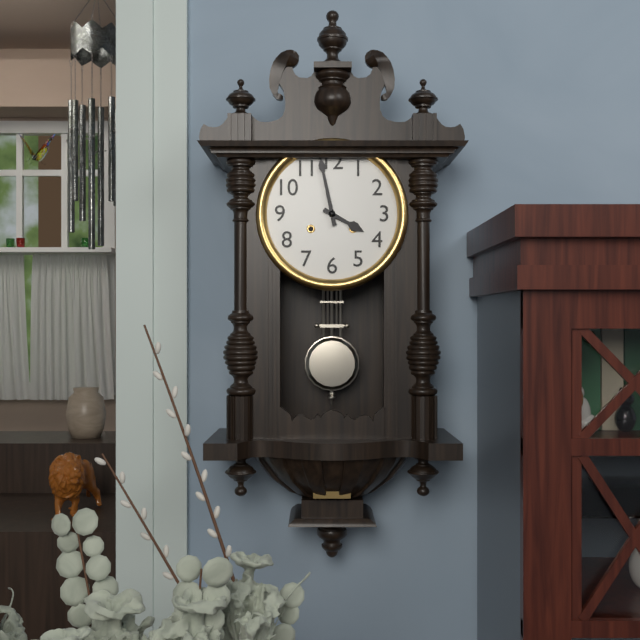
**3:58**
